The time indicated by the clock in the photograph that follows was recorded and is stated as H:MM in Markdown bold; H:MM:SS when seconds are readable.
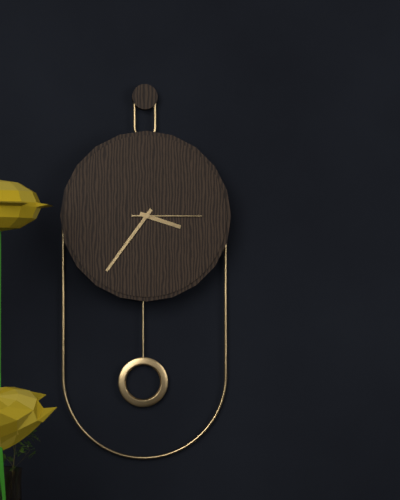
**3:36:15**
